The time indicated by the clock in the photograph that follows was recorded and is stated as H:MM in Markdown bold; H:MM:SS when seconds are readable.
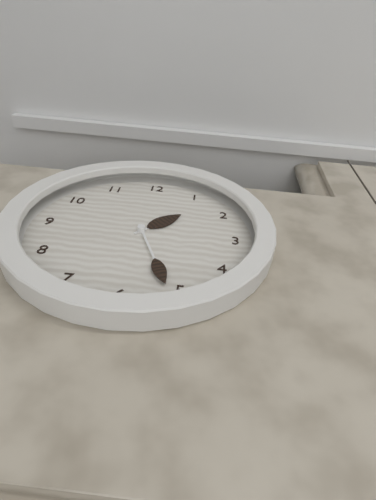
**1:26**
